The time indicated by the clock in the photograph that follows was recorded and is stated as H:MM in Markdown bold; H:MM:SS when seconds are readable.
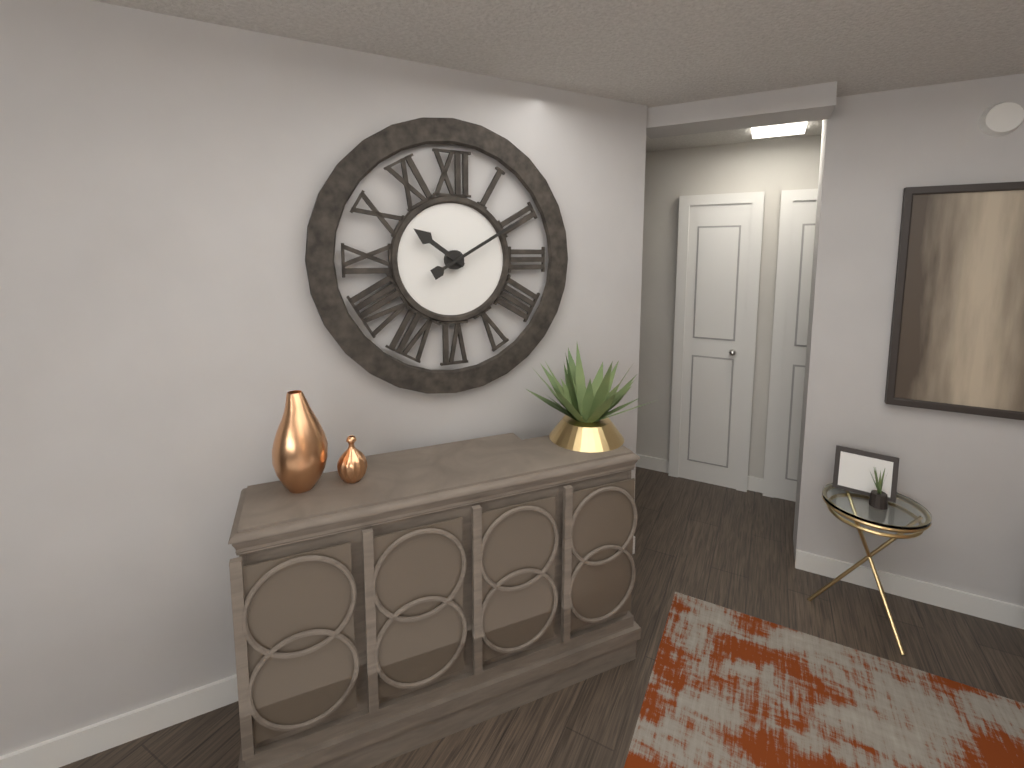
**10:10**
